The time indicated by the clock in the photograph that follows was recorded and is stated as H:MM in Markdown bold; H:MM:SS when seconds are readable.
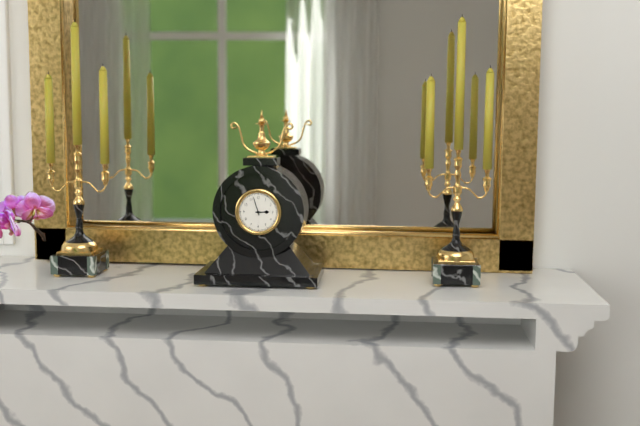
**2:57**
